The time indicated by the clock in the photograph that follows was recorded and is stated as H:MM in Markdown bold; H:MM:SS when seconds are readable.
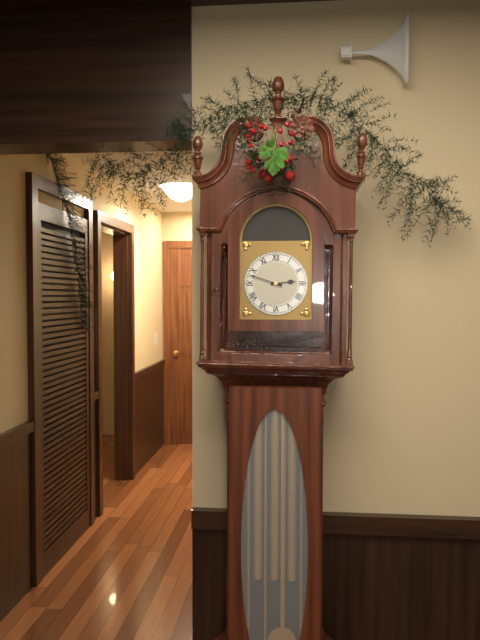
**2:48**
